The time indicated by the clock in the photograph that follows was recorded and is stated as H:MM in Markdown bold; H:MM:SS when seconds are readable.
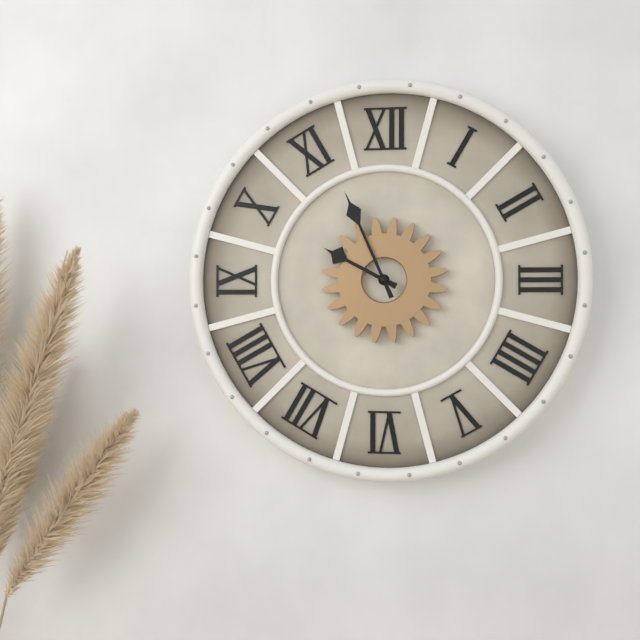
**9:56**
